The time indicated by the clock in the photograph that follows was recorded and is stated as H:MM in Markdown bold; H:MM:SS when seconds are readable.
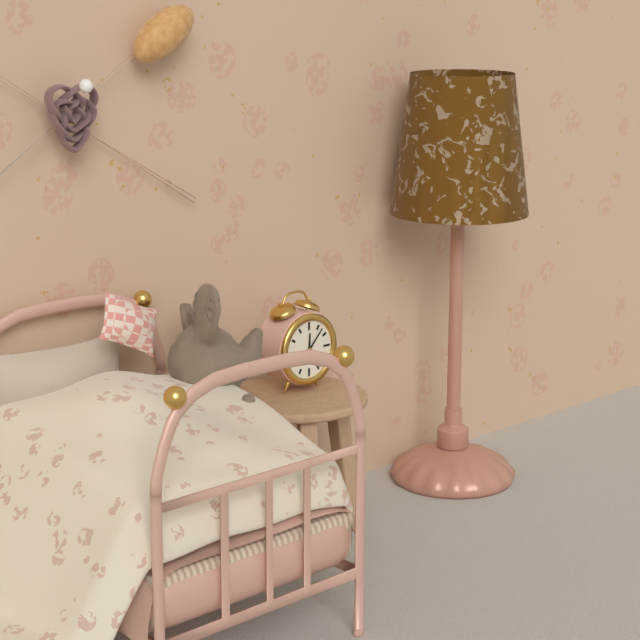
**12:07**
